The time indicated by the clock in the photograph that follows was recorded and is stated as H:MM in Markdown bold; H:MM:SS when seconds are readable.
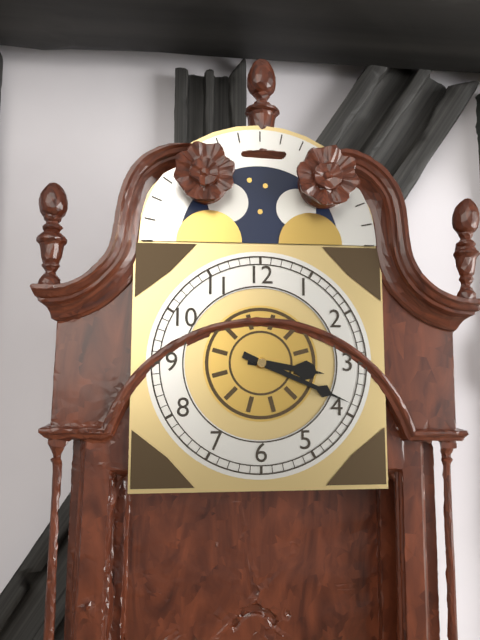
**3:19**
